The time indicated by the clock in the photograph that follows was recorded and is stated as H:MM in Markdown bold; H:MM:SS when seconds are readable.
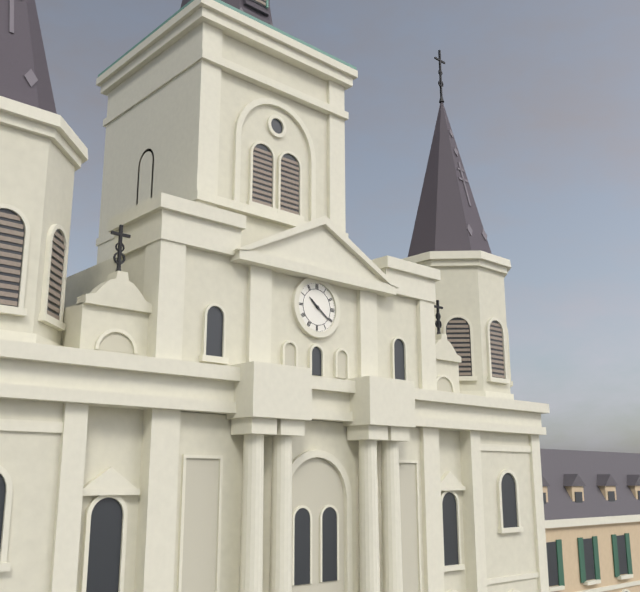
**10:21**
